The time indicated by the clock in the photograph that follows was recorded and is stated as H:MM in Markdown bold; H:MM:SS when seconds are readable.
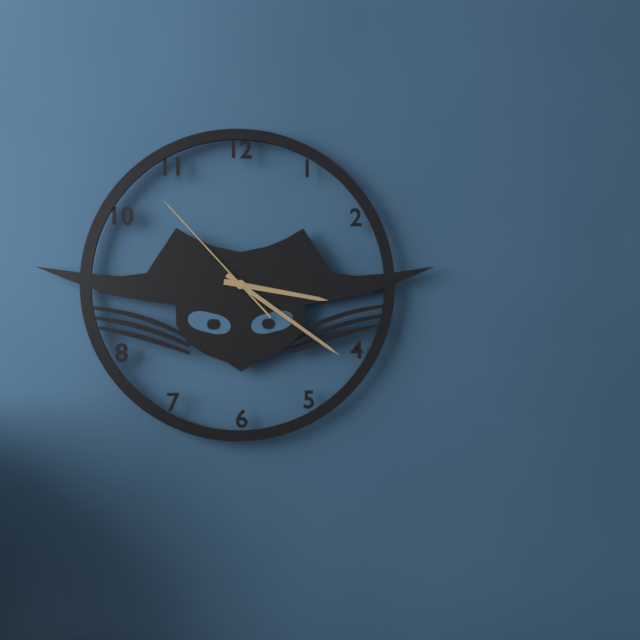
**3:21:53**
